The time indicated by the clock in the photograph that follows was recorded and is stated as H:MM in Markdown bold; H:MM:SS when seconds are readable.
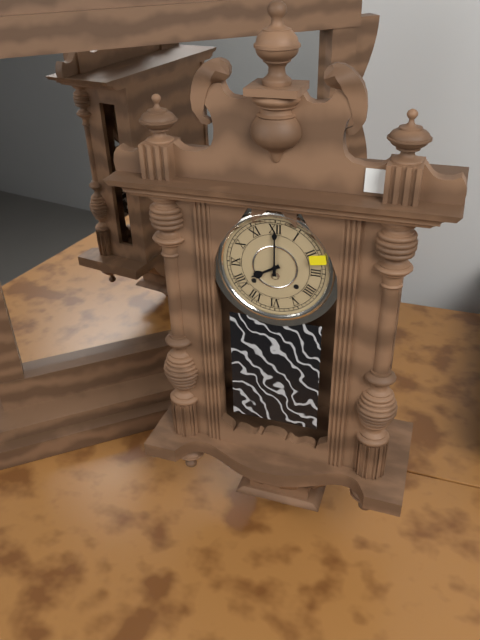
**8:00**
